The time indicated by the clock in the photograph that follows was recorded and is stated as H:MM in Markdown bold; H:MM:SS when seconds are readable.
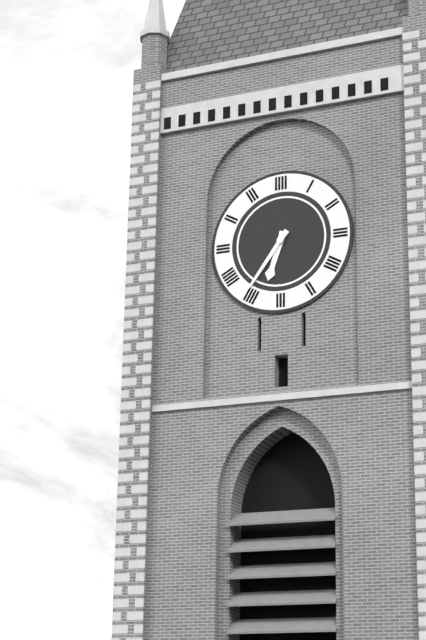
**6:36**
